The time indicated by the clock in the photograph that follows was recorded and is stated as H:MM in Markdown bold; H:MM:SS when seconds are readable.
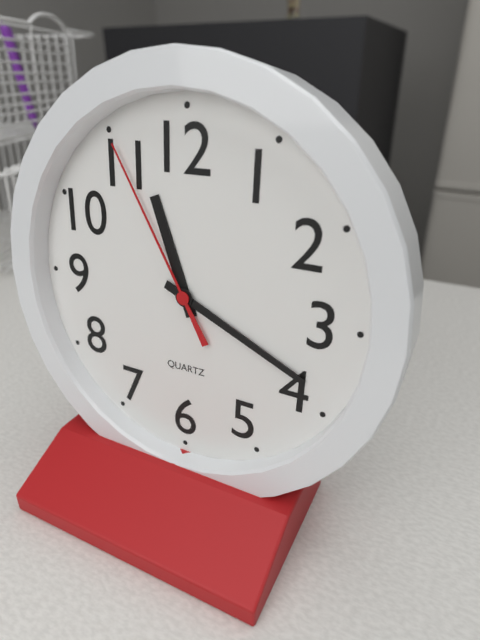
**11:19:55**
